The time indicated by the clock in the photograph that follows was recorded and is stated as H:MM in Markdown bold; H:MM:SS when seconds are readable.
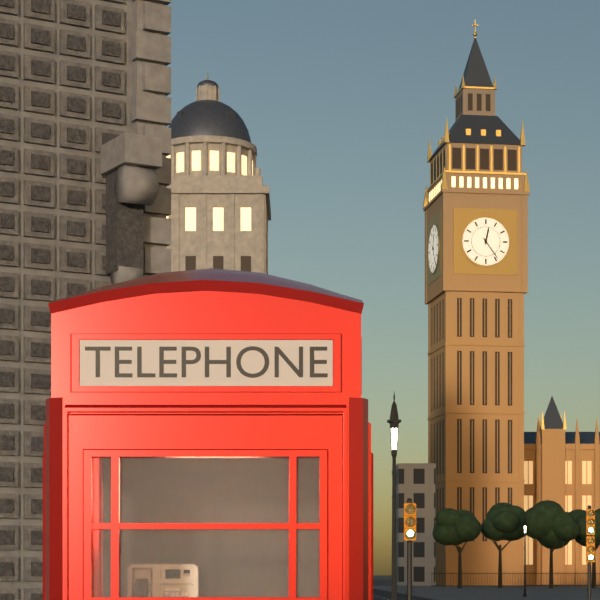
**12:24**
